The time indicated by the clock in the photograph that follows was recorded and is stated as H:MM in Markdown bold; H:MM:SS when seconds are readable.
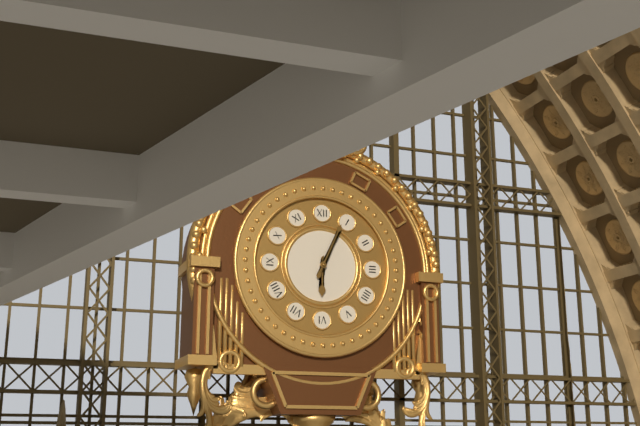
**6:04**
